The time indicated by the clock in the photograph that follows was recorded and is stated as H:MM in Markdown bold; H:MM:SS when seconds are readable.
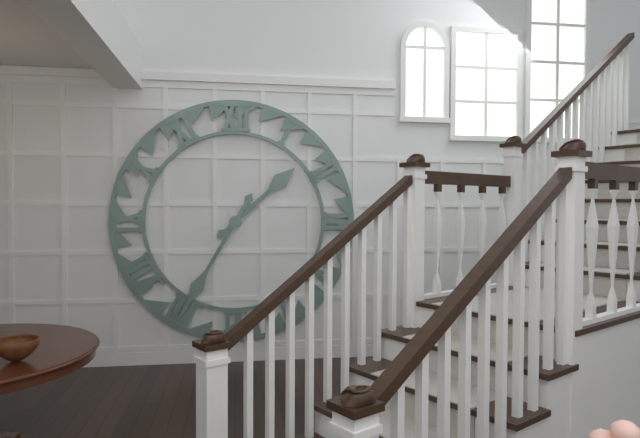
**1:35**
